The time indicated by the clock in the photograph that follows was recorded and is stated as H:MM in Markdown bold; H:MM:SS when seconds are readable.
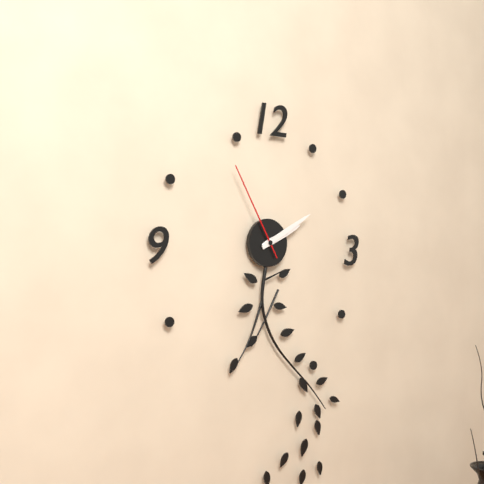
**2:10:55**
